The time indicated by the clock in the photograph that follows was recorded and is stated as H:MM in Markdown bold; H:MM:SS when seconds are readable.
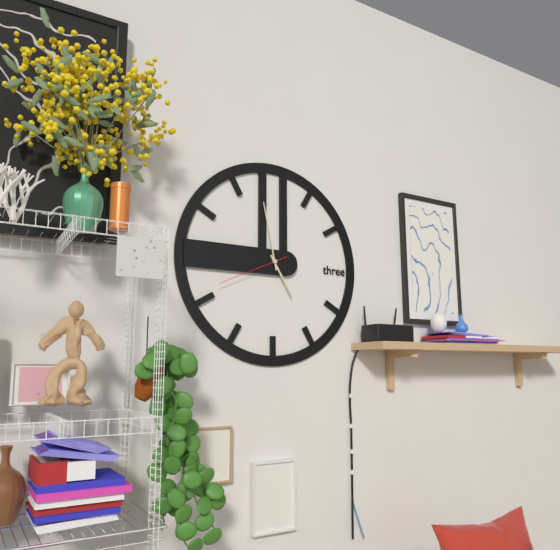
**4:58:41**
